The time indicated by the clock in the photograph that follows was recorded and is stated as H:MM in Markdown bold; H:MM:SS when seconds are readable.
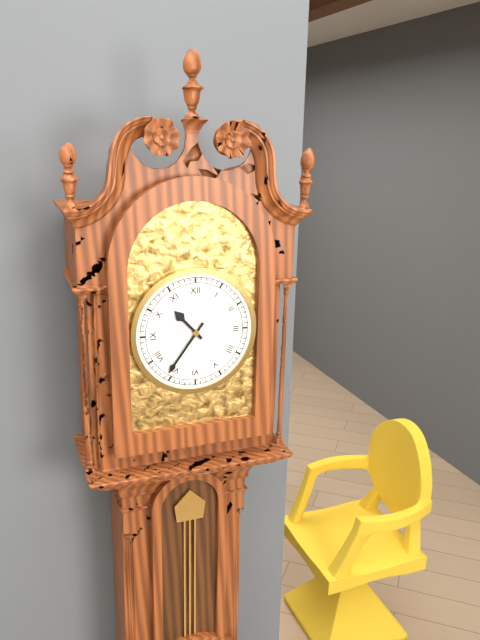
**10:36**
